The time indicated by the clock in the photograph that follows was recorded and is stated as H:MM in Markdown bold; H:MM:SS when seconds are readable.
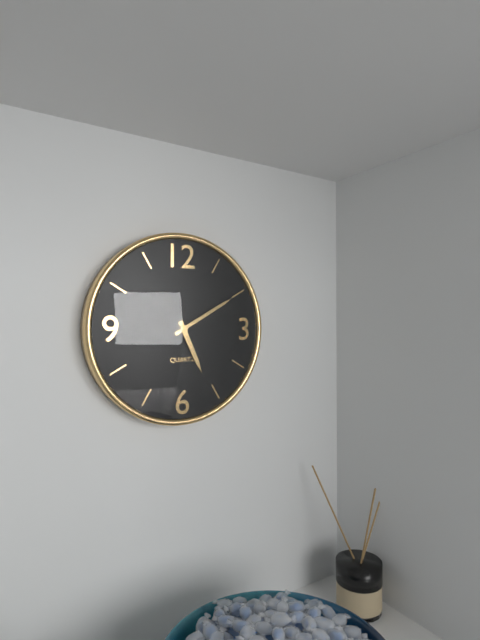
**5:10**
